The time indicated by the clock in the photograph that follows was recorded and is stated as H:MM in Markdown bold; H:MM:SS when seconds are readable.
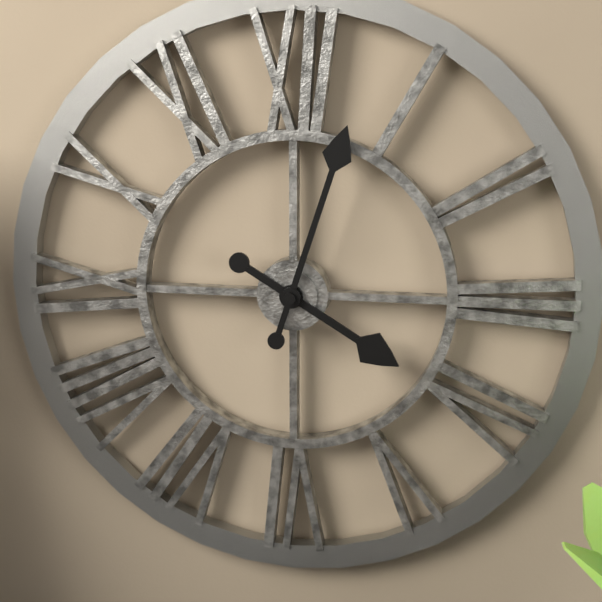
**4:03**
